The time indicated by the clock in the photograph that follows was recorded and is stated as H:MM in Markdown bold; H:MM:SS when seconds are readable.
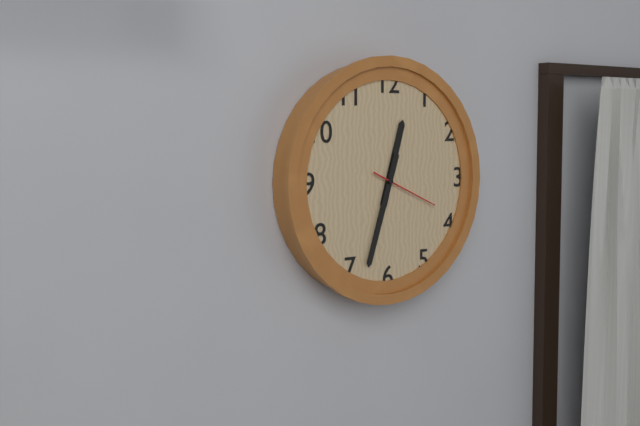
**12:33:19**
